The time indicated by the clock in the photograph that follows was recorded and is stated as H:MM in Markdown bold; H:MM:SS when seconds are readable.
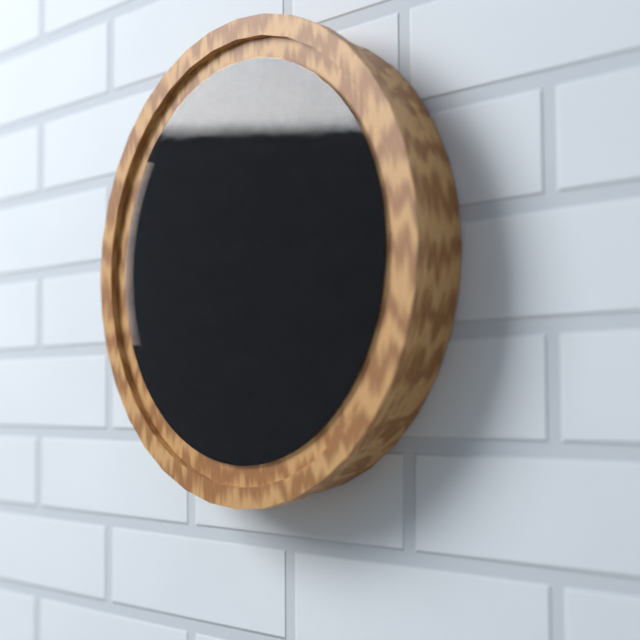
**10:57:19**
